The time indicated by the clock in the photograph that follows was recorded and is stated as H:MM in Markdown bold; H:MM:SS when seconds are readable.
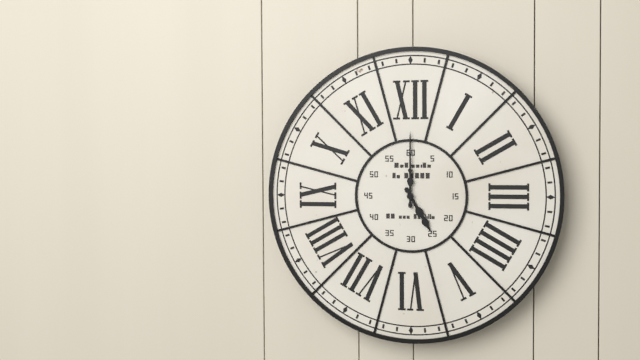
**5:00**
